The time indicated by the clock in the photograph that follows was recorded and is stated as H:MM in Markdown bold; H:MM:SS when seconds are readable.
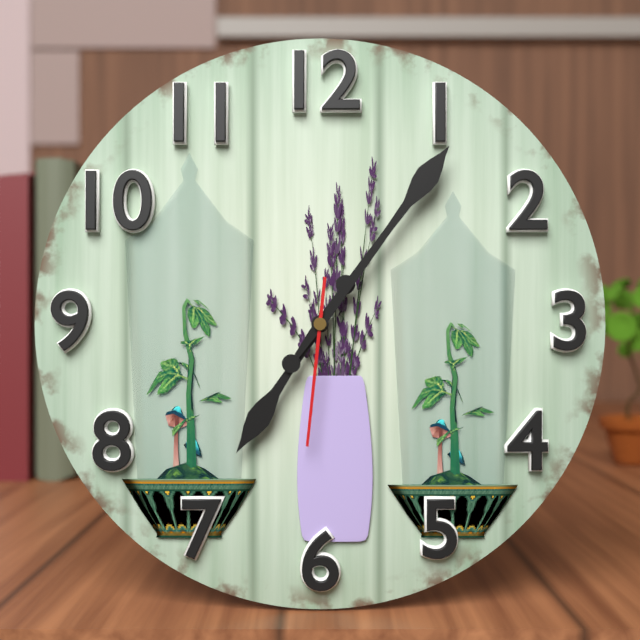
**7:06:31**
